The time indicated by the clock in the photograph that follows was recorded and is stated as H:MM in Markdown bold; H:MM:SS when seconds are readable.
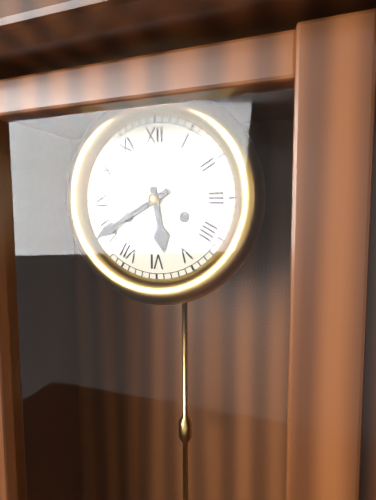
**5:40**
